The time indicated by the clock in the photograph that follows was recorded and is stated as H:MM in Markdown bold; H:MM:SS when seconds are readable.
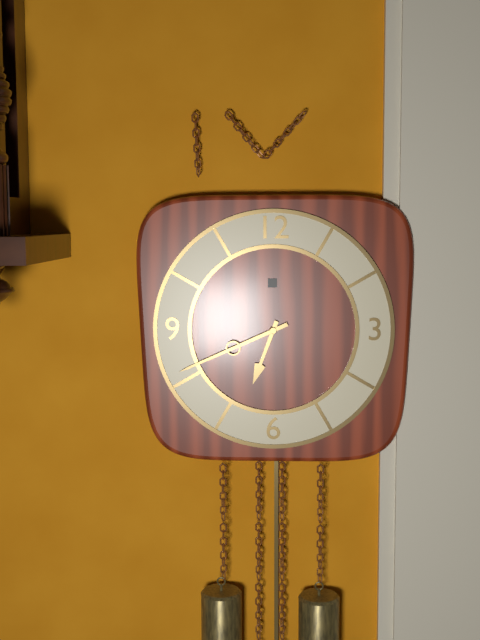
**6:41**
